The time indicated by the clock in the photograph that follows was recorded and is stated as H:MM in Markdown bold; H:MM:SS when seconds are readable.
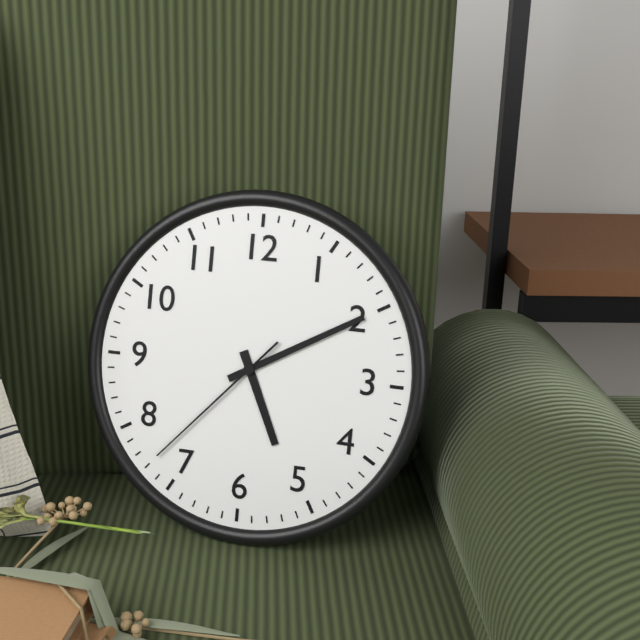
**5:10:37**
